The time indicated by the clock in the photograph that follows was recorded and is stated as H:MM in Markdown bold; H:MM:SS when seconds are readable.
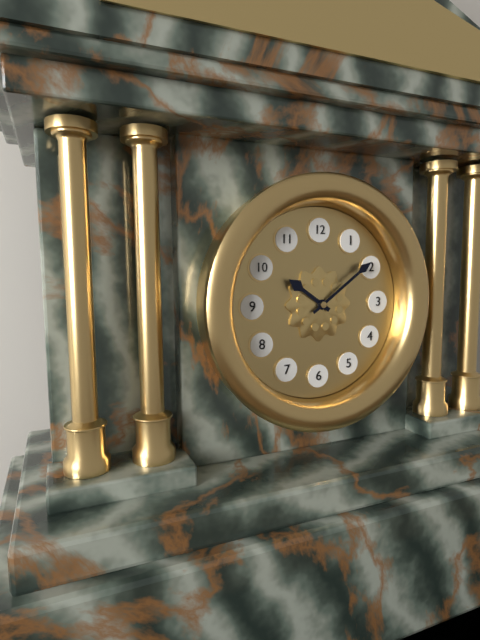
**10:09**
